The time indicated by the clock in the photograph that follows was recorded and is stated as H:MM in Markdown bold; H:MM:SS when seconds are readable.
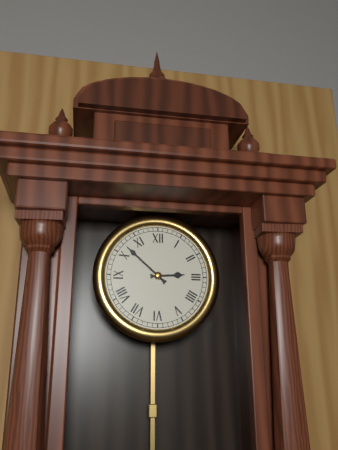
**2:52**
